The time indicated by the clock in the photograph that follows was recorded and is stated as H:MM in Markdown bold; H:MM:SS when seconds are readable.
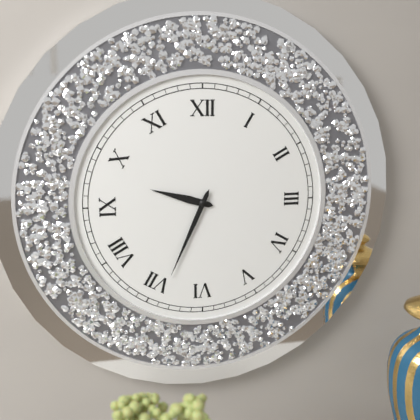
**9:34**
